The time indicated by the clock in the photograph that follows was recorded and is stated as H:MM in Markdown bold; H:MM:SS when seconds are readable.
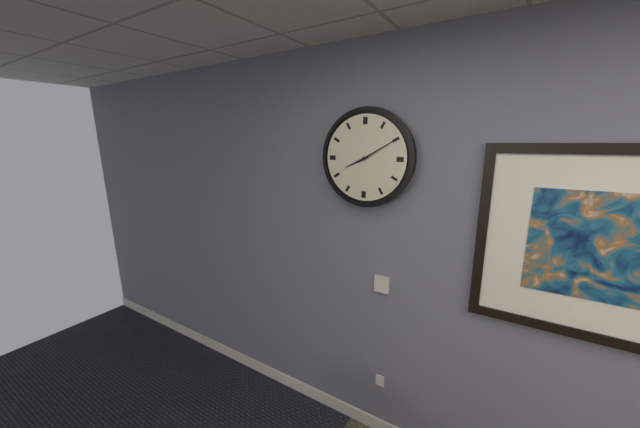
**8:10**
